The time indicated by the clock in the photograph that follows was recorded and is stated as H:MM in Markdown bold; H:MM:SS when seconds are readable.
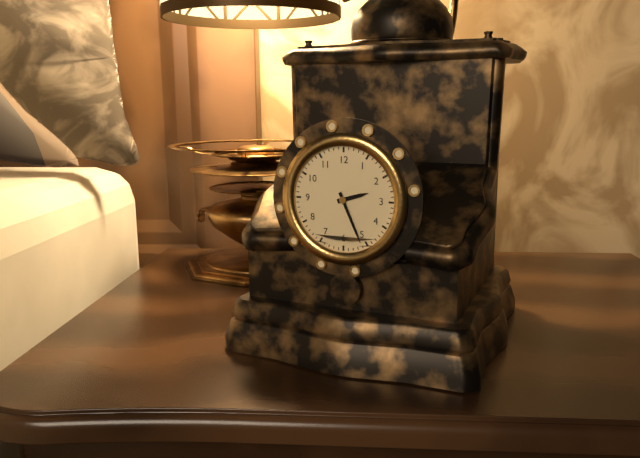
**2:26**
